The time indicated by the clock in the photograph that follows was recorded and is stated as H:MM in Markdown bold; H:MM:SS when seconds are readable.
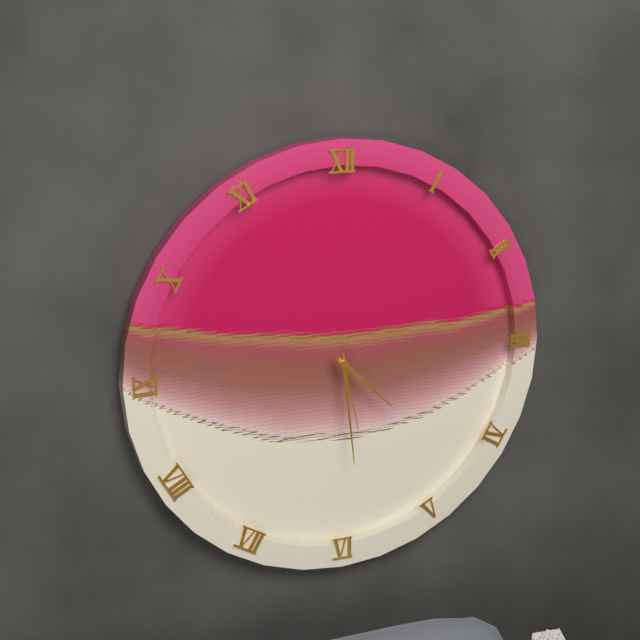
**4:29:28**
